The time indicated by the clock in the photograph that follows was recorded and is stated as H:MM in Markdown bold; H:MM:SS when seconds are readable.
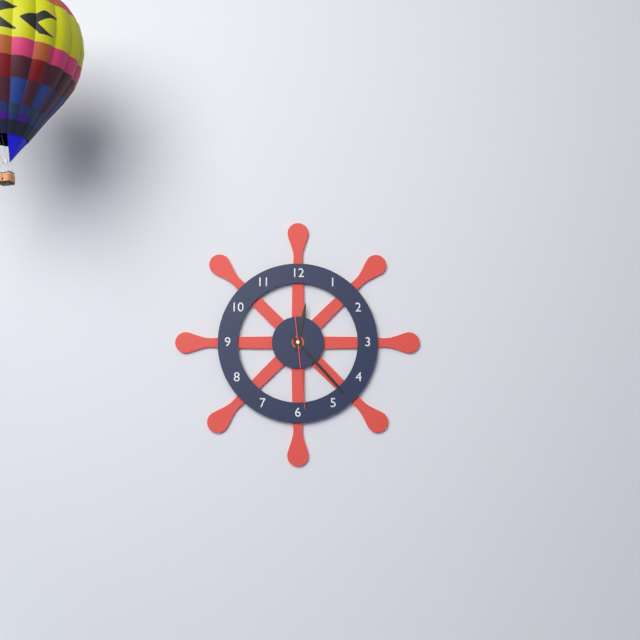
**12:23:29**
